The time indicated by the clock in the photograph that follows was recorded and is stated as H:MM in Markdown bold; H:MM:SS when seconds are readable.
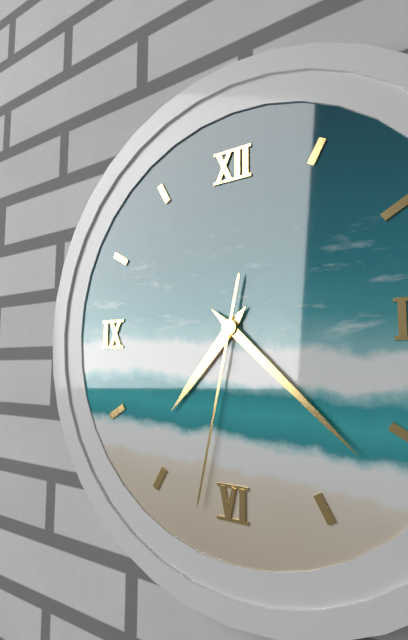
**7:22:32**
